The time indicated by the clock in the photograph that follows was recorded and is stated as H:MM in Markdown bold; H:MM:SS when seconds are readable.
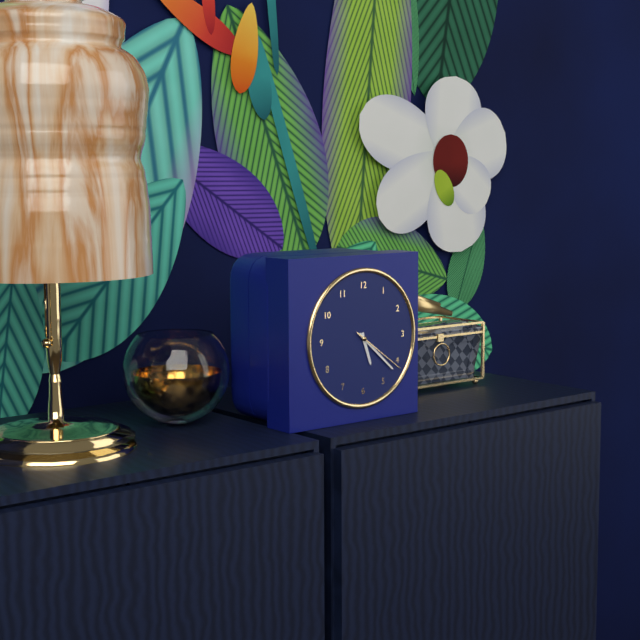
**5:22:21**
